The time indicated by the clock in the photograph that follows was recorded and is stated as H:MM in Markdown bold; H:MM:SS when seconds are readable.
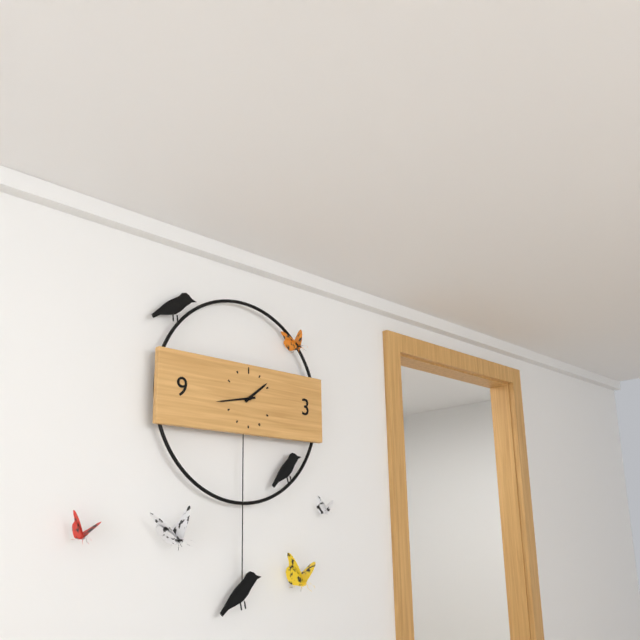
**1:43**
